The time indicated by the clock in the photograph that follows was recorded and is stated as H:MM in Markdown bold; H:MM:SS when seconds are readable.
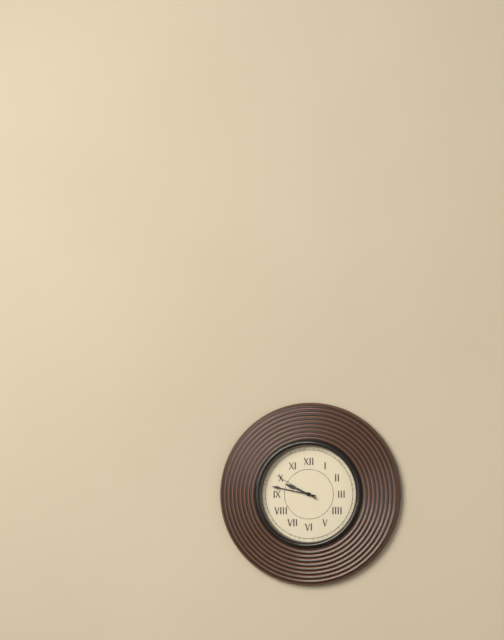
**9:47**
